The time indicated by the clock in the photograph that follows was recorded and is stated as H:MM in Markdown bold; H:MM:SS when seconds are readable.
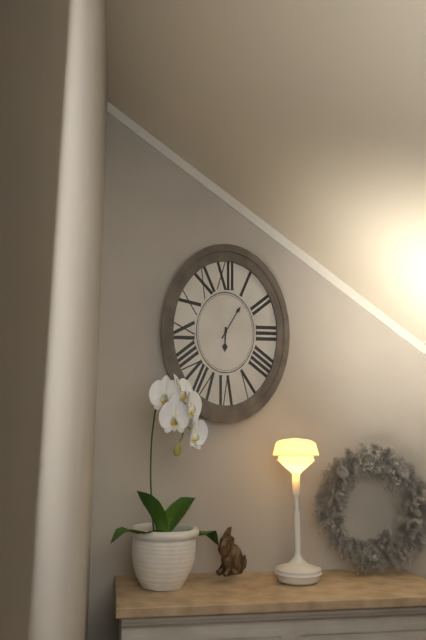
**6:05**
